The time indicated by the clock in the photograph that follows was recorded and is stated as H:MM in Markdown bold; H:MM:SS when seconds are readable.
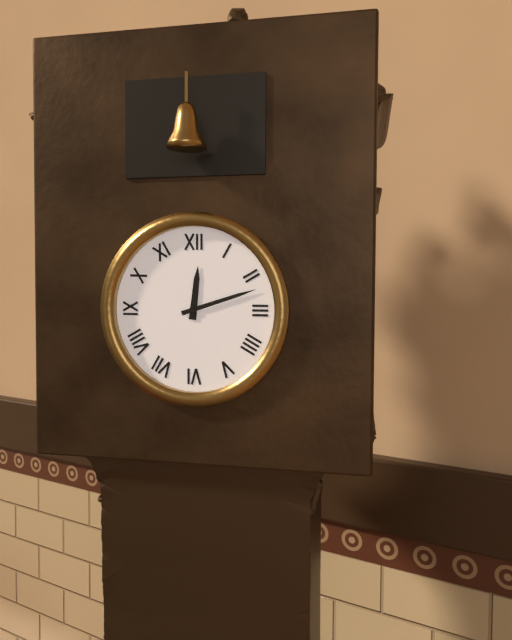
**12:12**
